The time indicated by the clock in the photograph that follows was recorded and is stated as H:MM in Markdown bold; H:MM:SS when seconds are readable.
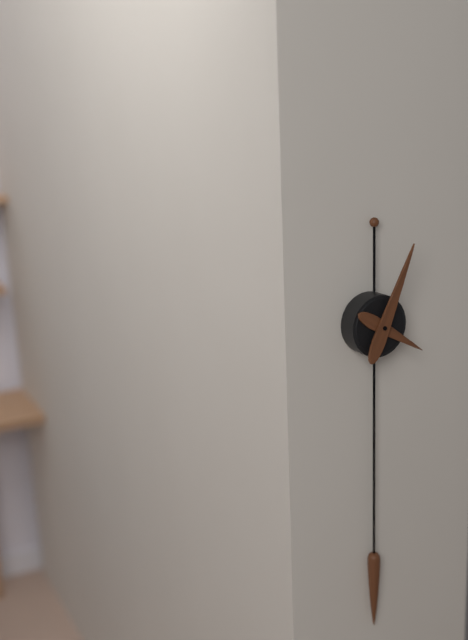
**4:04**
